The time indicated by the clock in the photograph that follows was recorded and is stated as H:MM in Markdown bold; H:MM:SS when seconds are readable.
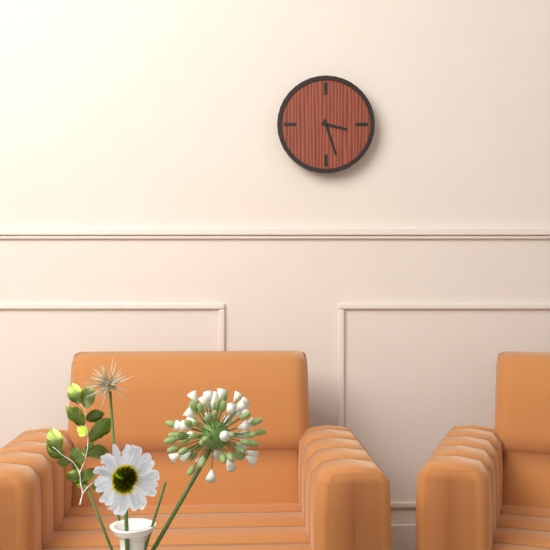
**3:27**
